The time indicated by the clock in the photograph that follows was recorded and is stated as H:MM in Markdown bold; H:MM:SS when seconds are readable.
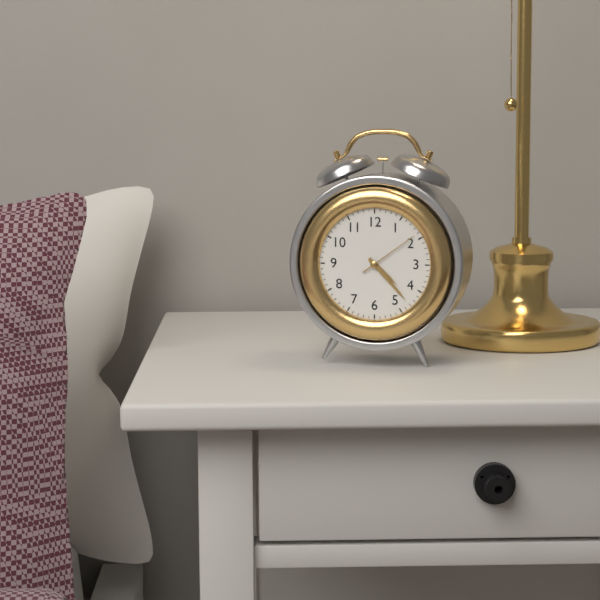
**4:23:09**
